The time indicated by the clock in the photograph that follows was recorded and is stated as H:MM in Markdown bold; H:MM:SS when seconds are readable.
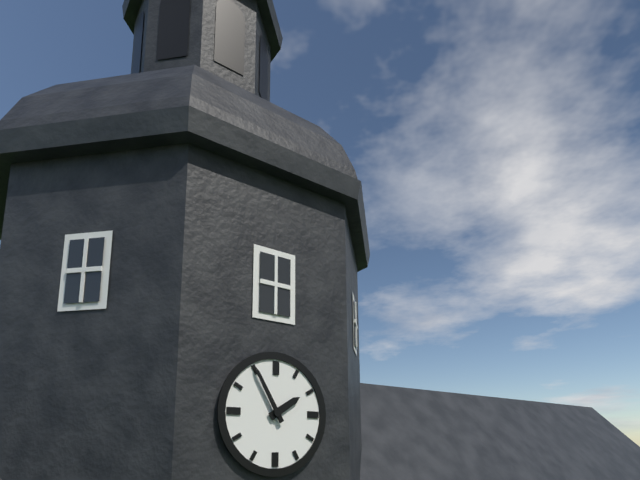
**1:55**
